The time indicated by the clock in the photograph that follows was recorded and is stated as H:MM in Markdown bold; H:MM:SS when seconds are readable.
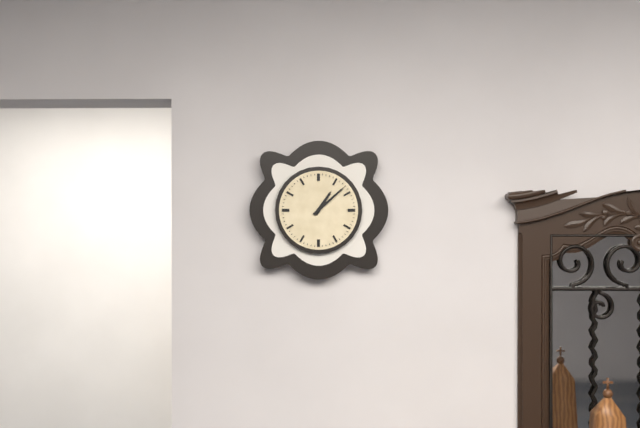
**1:08**
